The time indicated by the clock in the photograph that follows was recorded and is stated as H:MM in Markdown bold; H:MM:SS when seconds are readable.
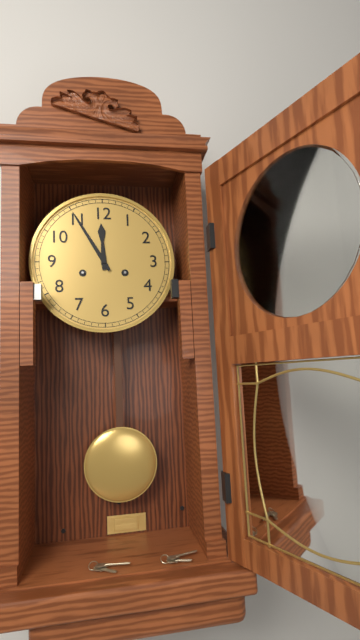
**11:55**
